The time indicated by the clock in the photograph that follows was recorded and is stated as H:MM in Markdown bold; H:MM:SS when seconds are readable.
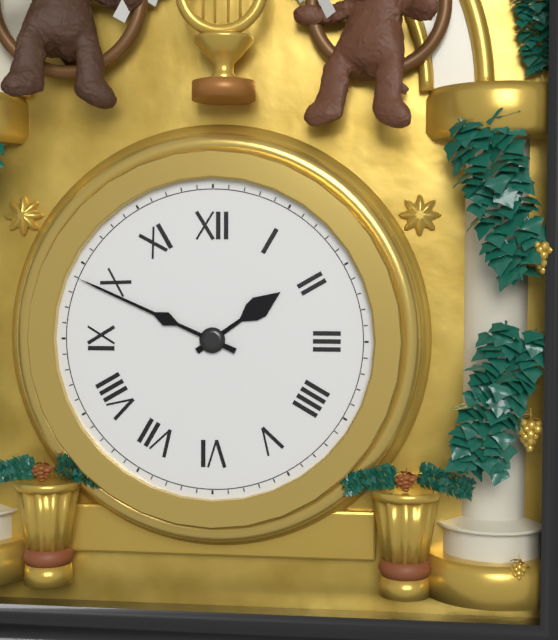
**1:49**
